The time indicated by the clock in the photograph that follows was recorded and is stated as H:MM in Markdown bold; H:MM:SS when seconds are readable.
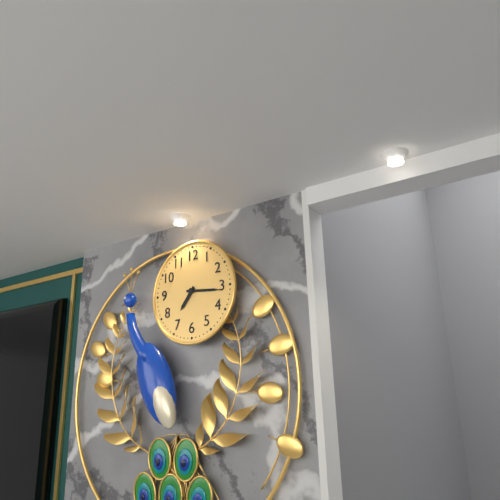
**7:16**
